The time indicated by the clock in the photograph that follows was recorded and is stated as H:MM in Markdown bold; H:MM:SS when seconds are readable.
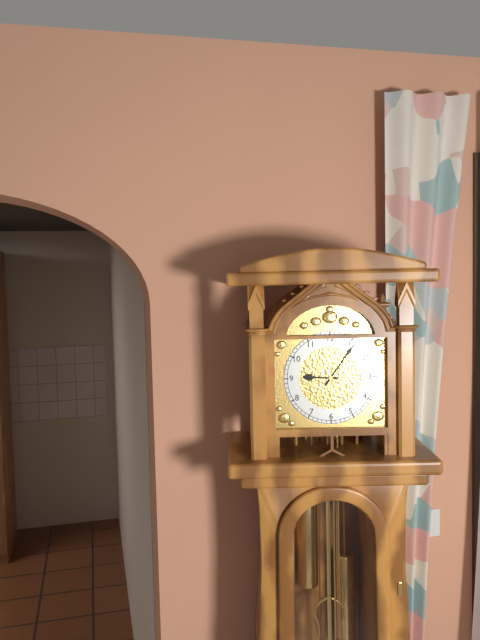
**9:06**
